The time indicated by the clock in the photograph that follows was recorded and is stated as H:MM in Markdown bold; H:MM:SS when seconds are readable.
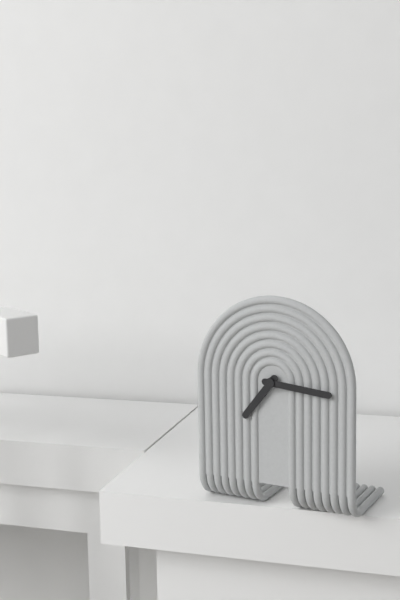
**7:16**
